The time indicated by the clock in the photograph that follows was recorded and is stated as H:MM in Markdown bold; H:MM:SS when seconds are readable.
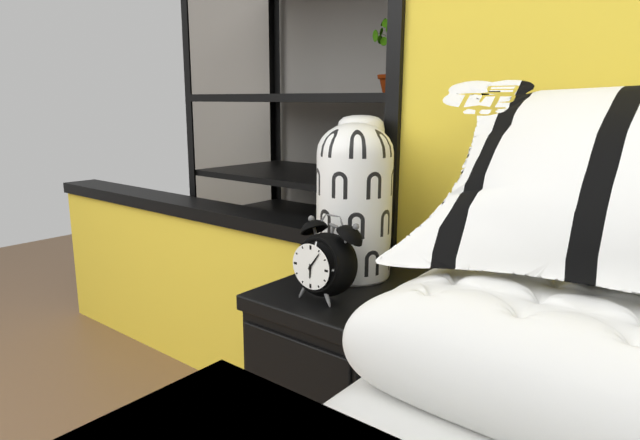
**6:06**
